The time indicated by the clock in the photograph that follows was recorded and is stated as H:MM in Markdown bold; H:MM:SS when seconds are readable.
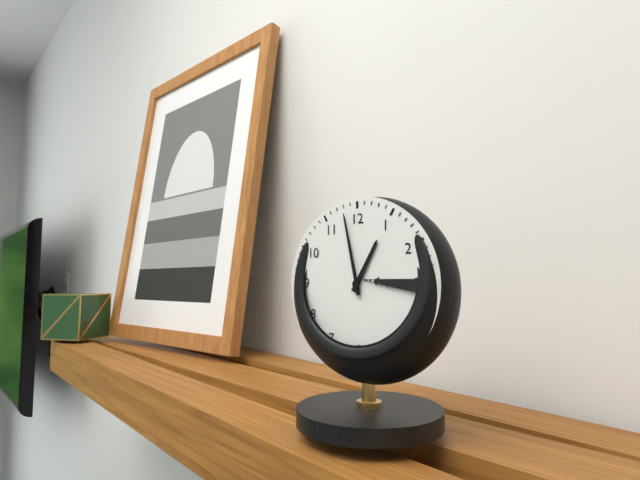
**12:58**
